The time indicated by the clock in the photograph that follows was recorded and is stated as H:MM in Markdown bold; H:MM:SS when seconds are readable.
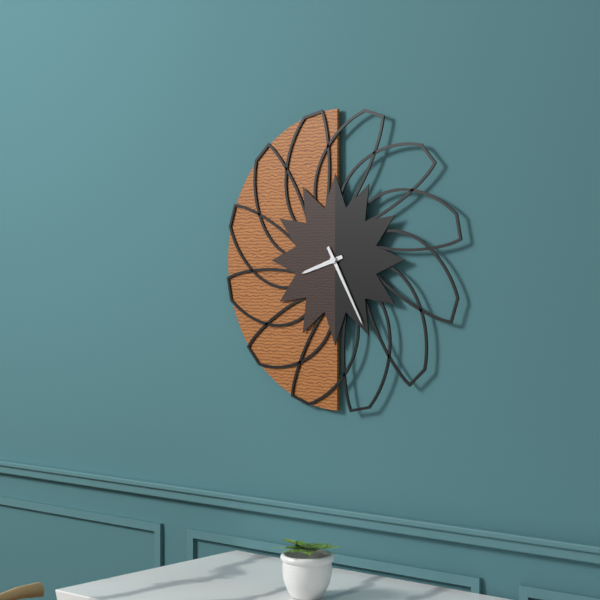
**8:25**
